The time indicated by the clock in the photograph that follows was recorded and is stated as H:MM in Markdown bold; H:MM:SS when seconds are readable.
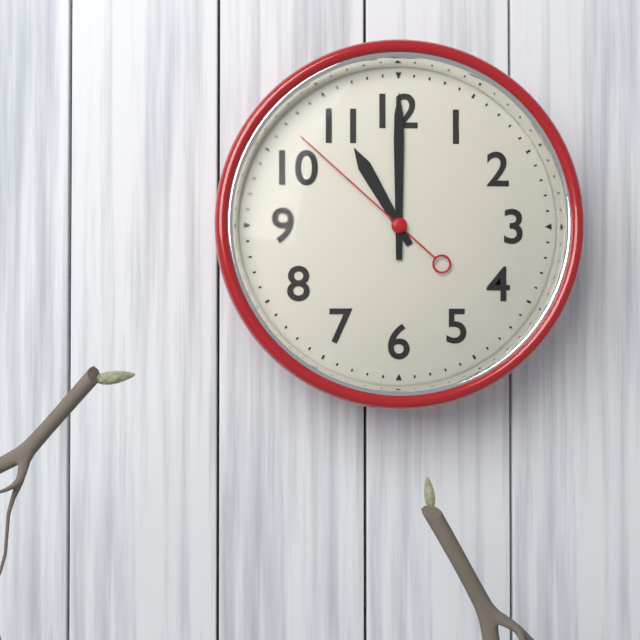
**11:00:52**
